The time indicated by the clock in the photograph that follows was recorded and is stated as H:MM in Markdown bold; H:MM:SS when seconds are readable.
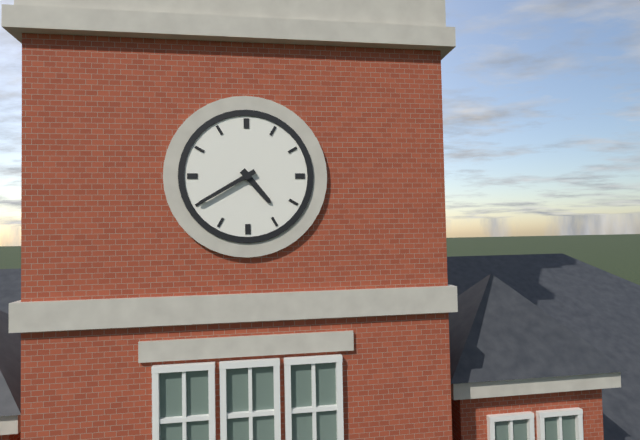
**4:40**
